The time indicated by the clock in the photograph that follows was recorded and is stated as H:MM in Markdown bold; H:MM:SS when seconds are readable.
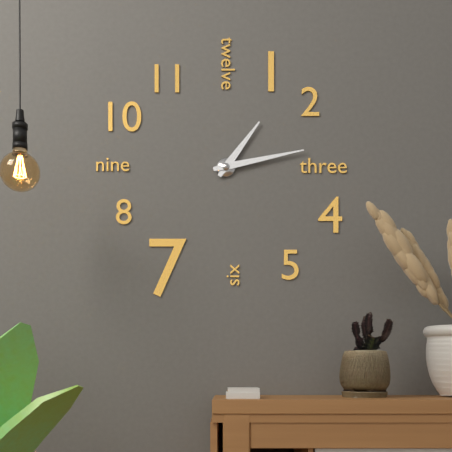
**1:13**
